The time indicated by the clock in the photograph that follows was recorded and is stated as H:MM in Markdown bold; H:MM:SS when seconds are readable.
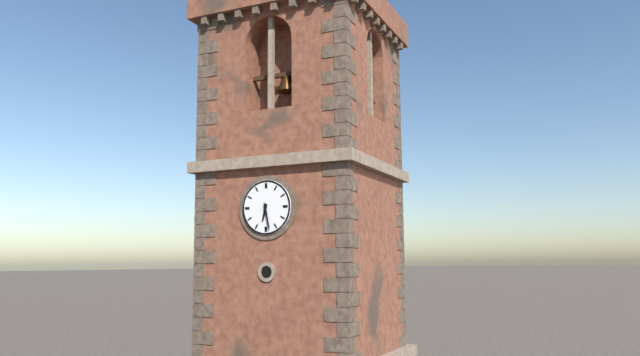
**6:28**
